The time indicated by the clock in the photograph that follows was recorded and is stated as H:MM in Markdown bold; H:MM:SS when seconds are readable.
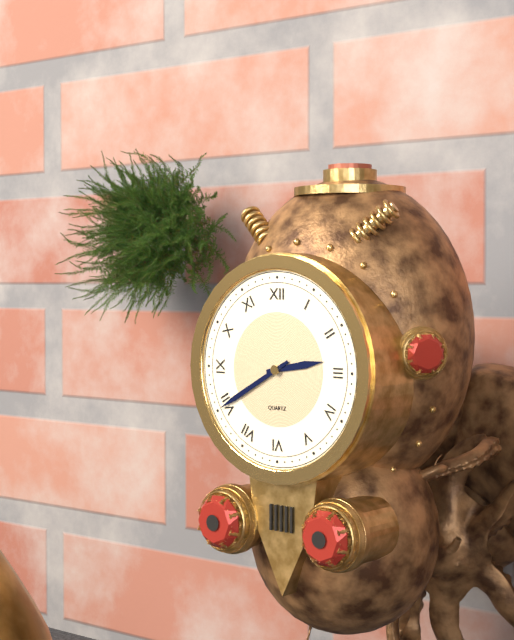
**2:40**
